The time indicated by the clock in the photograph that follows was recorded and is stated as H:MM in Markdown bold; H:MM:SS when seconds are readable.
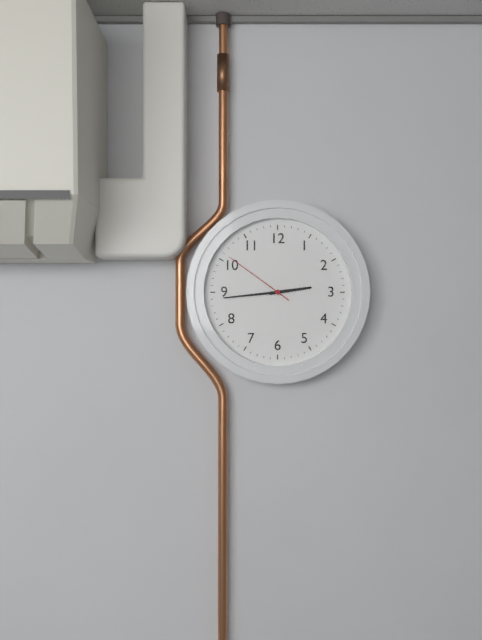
**2:44:51**
